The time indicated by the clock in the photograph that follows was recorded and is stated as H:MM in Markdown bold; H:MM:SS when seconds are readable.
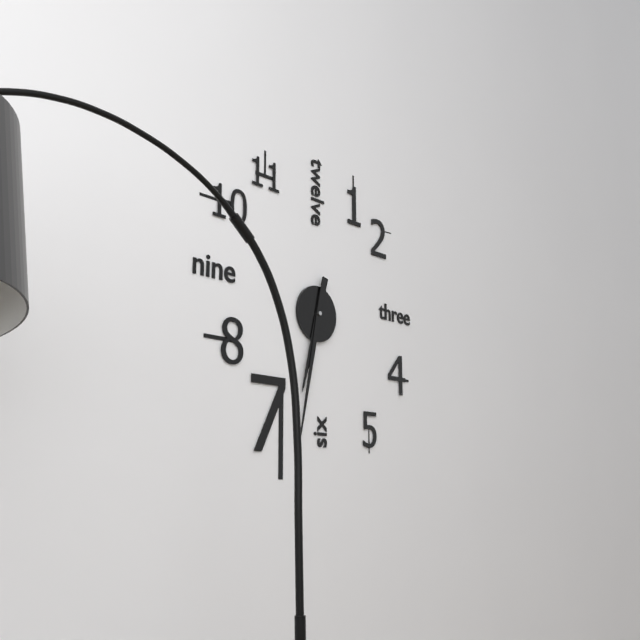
**6:32**
